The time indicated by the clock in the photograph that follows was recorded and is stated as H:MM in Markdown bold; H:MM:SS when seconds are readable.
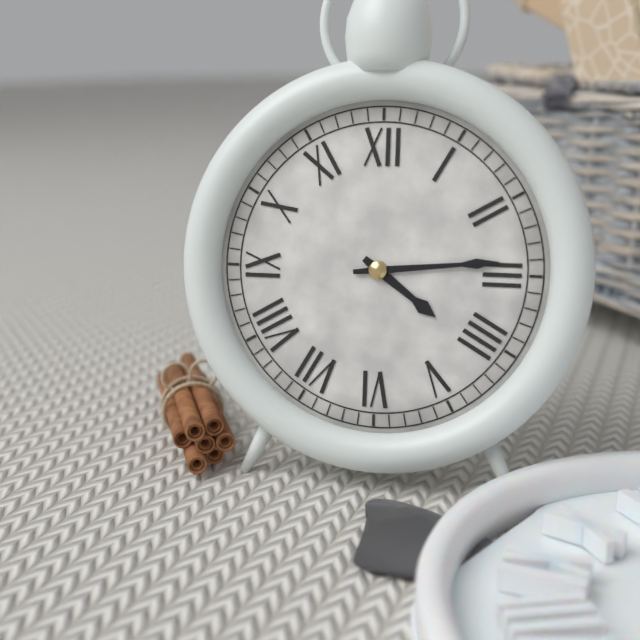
**4:14**
